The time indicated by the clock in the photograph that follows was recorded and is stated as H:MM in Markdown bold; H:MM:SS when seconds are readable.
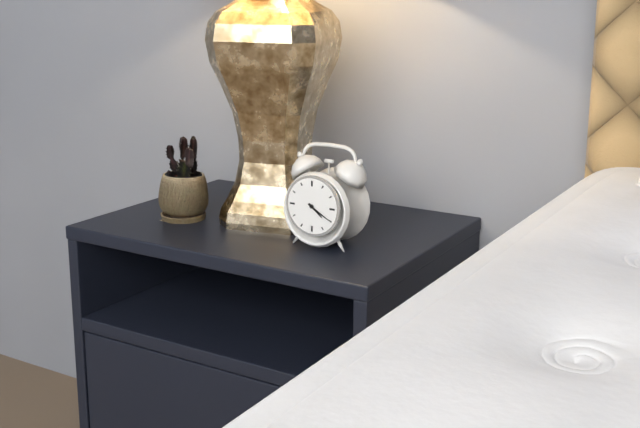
**4:20**
